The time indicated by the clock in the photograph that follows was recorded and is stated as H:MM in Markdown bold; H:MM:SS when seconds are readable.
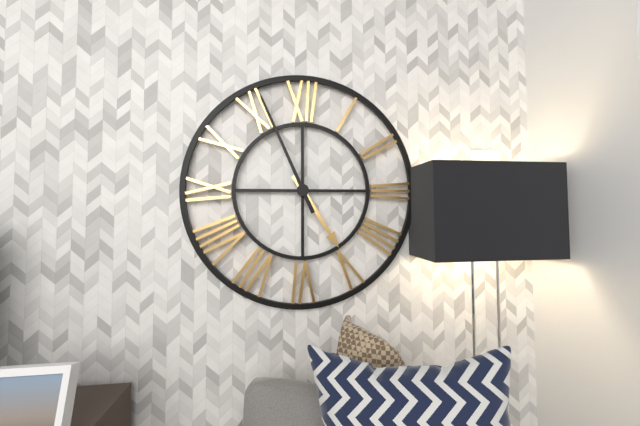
**4:56**
